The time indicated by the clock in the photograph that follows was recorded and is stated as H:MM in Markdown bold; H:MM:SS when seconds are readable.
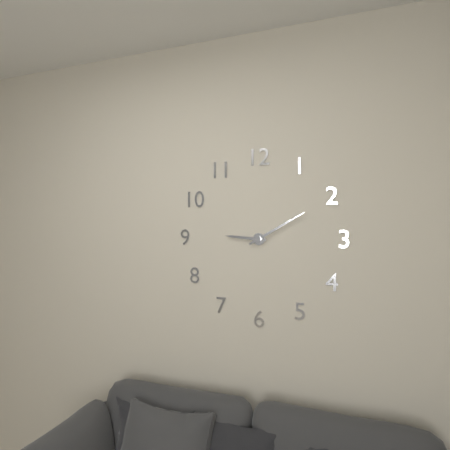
**9:10**
